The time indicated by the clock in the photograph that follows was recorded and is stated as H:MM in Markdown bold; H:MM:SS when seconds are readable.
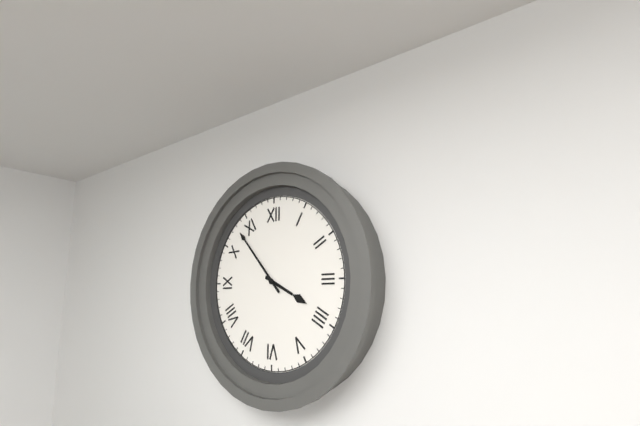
**3:53**
